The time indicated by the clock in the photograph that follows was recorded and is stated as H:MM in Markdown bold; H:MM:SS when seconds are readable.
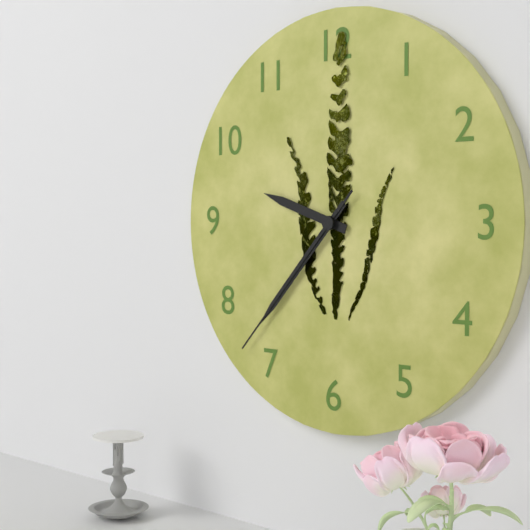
**9:37:37**
